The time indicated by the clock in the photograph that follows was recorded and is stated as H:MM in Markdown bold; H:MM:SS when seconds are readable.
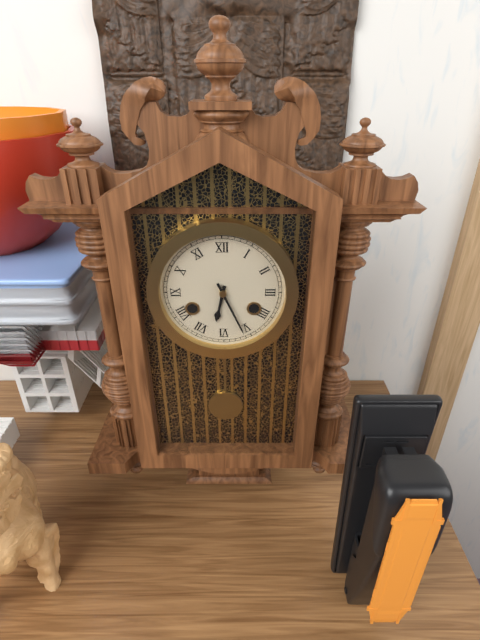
**6:26**
